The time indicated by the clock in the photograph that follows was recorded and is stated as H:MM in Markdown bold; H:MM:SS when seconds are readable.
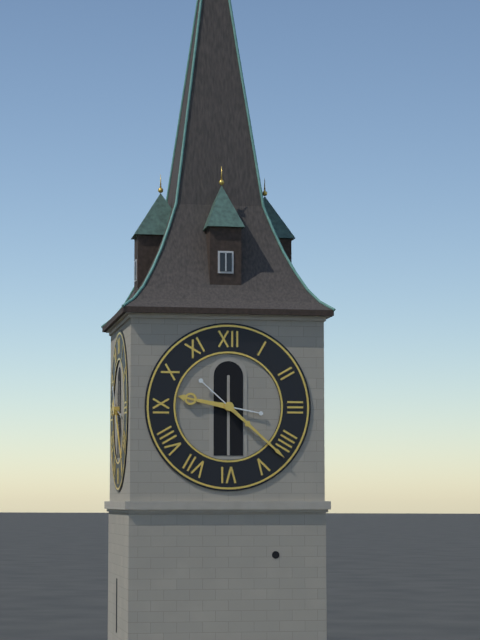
**9:22**
